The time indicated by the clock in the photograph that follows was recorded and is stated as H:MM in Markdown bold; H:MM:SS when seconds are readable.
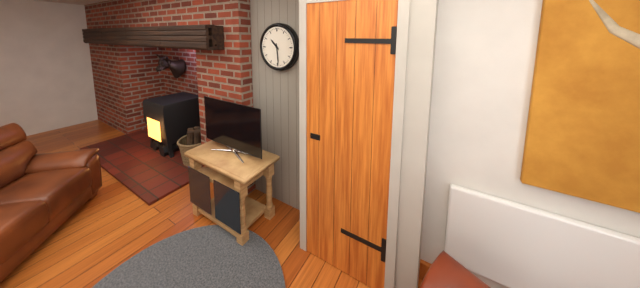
**10:29**
